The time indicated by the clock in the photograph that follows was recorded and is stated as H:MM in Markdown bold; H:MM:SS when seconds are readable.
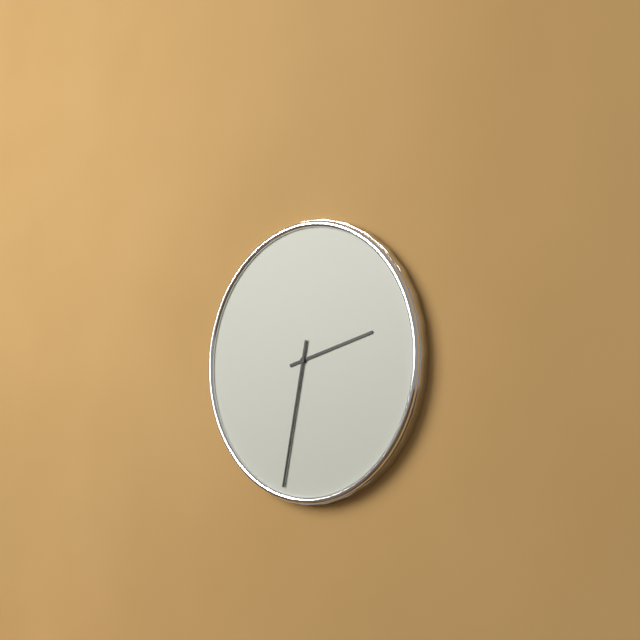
**2:32**
